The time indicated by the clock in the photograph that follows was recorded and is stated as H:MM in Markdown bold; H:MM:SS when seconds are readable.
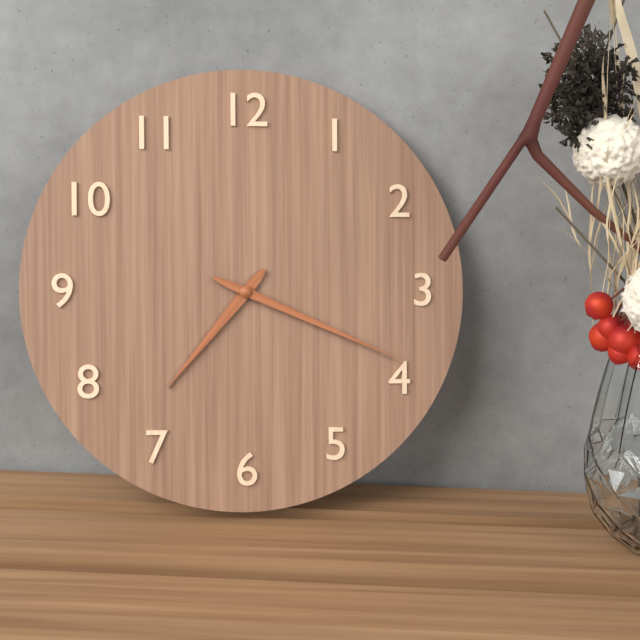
**7:19**
